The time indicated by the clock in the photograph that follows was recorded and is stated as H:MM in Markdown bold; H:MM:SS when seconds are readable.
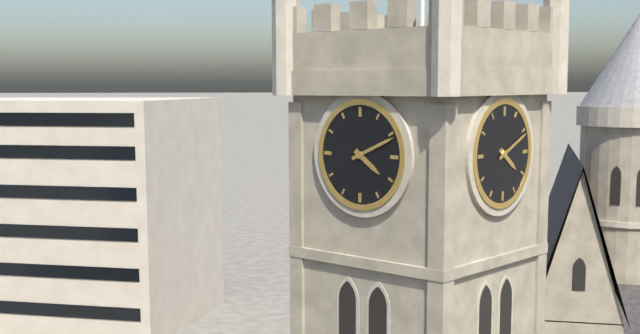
**4:11**
